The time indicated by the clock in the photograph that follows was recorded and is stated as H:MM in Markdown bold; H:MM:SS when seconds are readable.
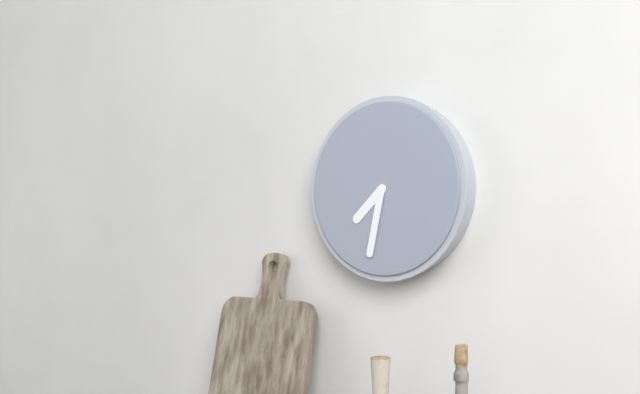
**7:32**
